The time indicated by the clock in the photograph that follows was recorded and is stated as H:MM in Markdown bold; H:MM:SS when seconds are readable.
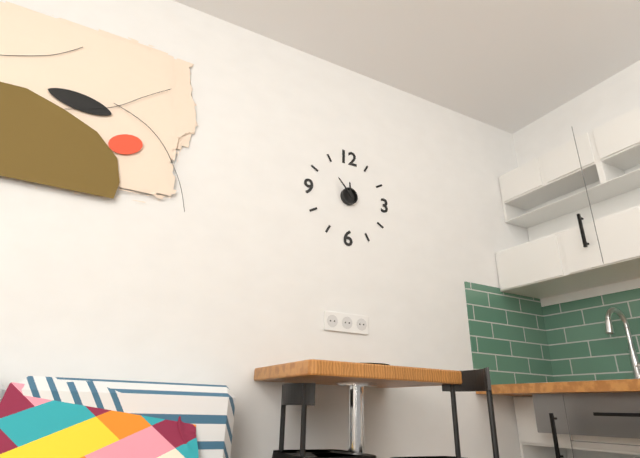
**11:53**
